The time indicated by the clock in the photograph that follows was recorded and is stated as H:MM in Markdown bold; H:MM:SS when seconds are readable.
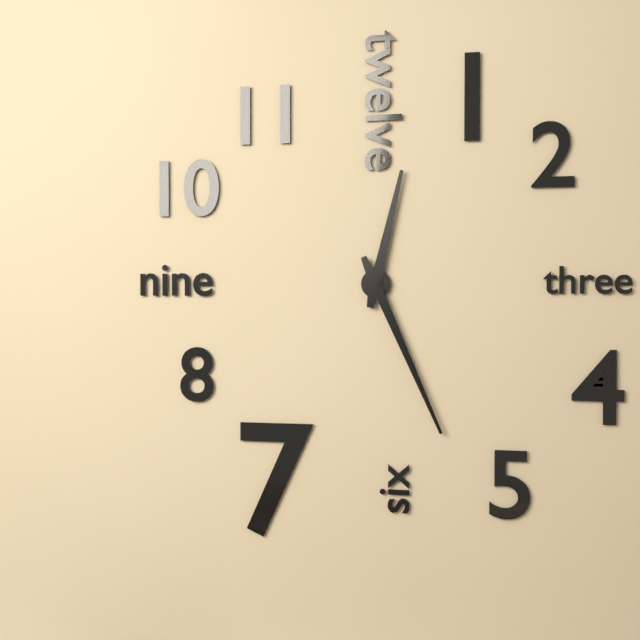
**12:26**
